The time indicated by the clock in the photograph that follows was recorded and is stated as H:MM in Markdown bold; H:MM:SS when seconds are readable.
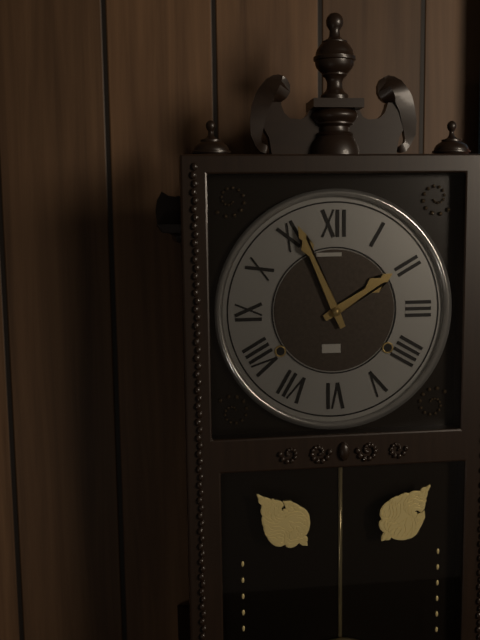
**1:56**
